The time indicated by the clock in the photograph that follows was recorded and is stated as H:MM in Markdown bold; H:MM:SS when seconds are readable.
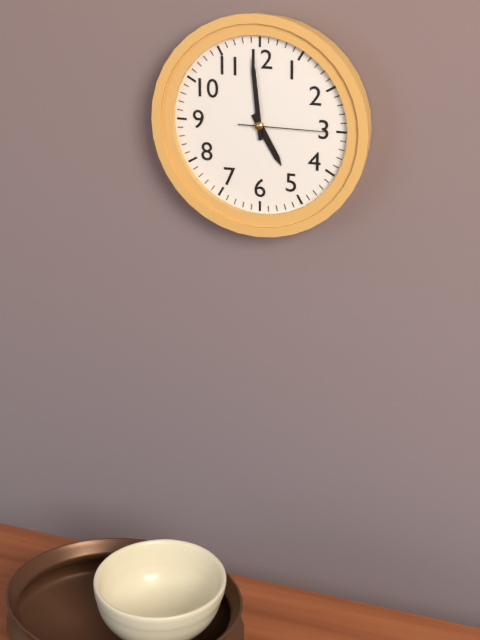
**4:59:15**
